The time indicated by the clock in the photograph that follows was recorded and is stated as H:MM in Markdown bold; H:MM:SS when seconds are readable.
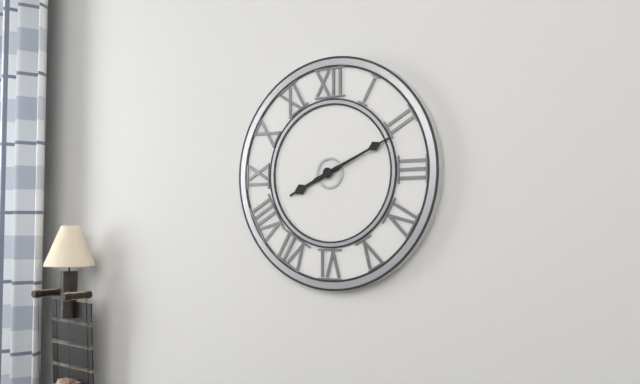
**8:11**
